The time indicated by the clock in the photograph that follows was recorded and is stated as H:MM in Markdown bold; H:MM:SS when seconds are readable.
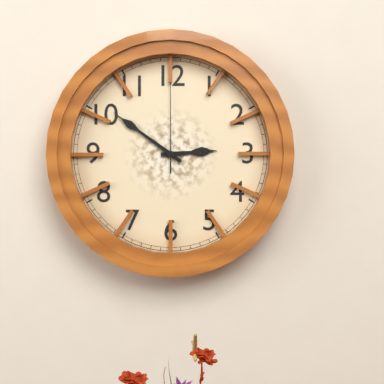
**2:51:00**
